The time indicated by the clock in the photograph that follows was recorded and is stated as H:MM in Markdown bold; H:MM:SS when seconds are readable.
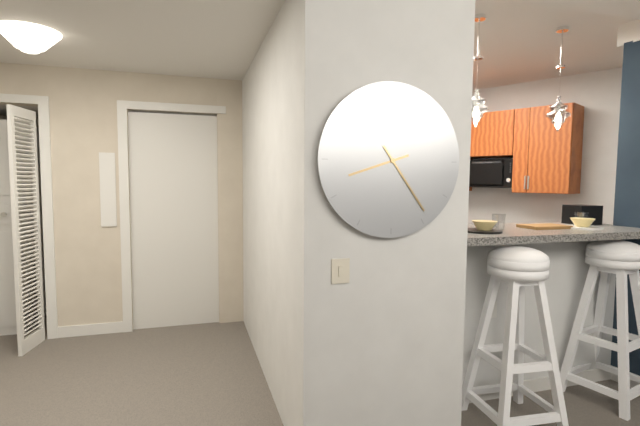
**8:24**
